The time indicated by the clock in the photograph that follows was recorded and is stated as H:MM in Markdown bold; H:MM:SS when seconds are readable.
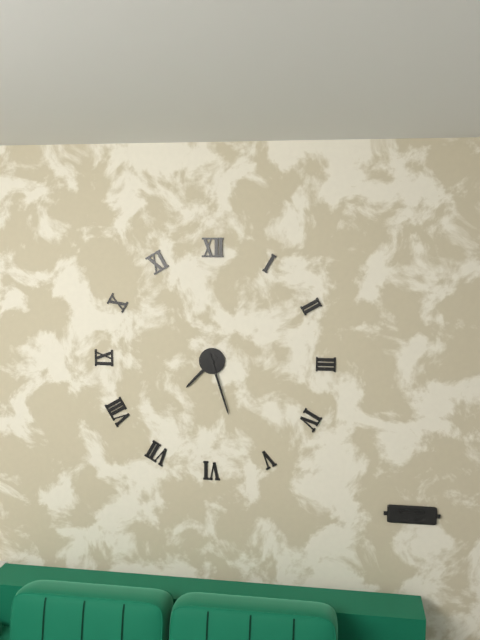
**7:27**
